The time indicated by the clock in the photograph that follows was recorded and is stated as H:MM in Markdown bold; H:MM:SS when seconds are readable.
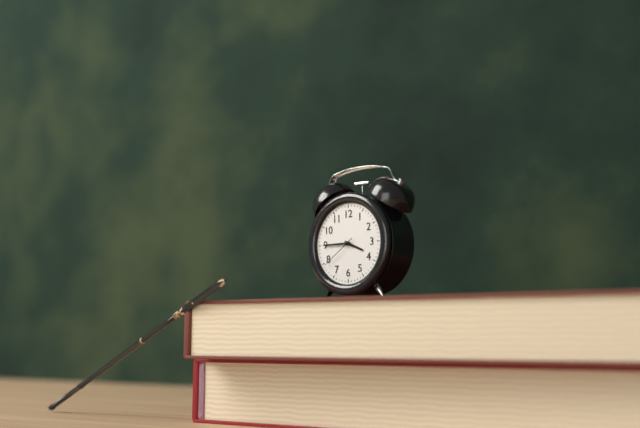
**3:45**
